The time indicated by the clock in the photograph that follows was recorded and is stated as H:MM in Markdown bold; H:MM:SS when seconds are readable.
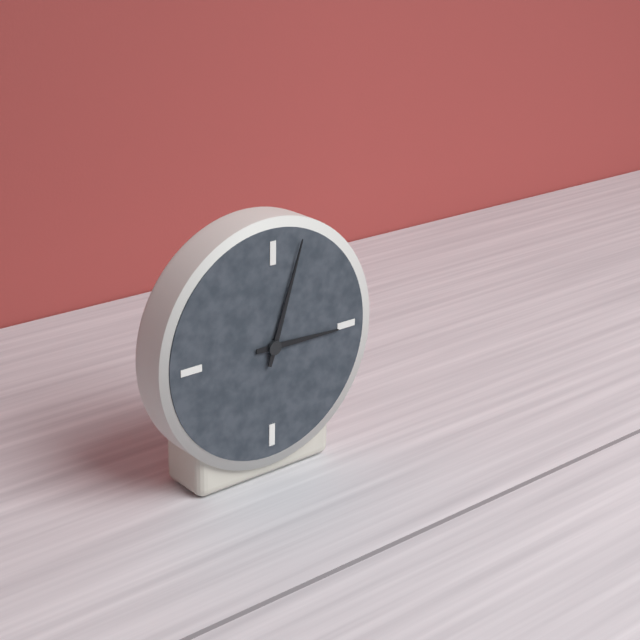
**3:03**
